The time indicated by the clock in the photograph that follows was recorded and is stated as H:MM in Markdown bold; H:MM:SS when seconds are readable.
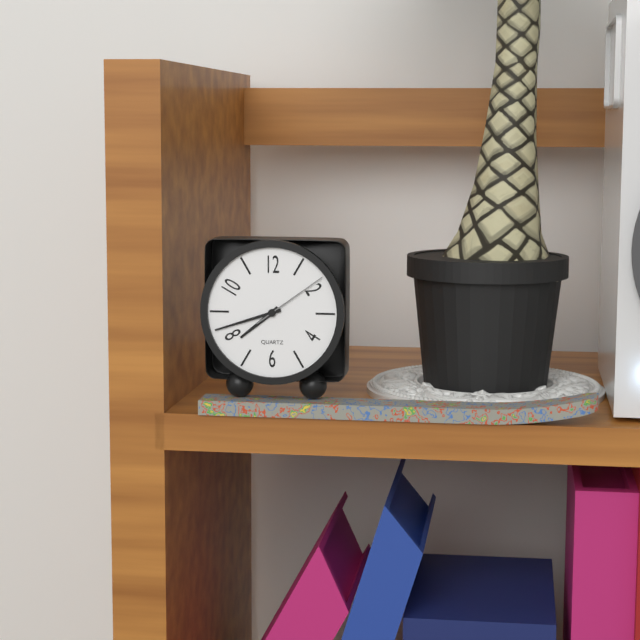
**7:42:09**
